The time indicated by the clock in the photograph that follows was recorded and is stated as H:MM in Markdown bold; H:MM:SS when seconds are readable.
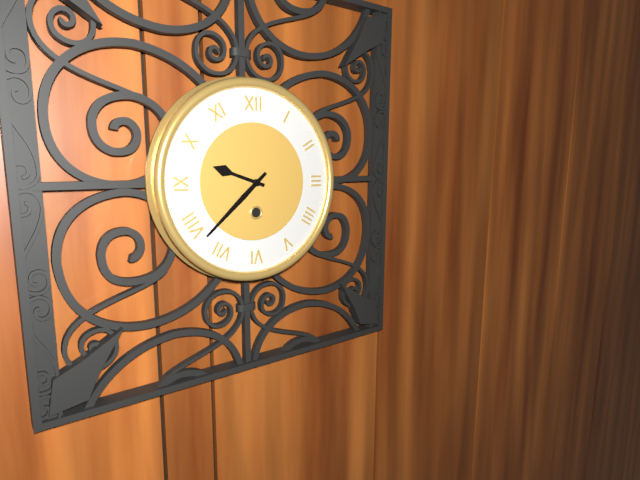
**9:38**
